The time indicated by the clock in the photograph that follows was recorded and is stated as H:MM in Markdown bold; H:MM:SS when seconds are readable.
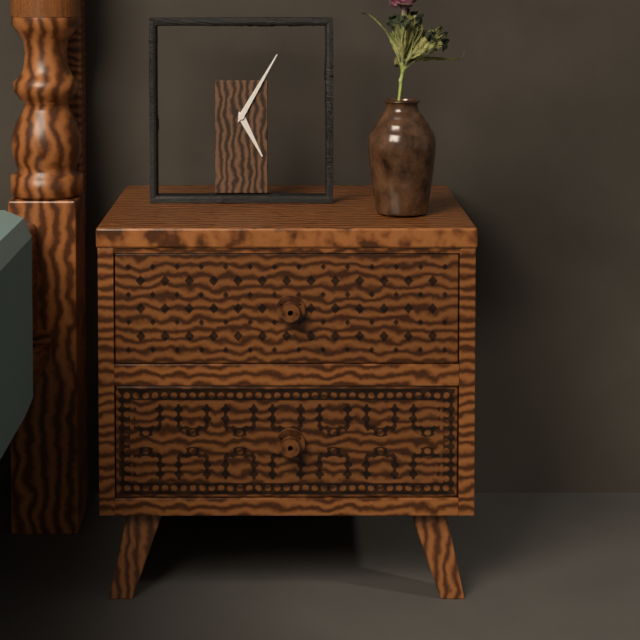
**5:05**
